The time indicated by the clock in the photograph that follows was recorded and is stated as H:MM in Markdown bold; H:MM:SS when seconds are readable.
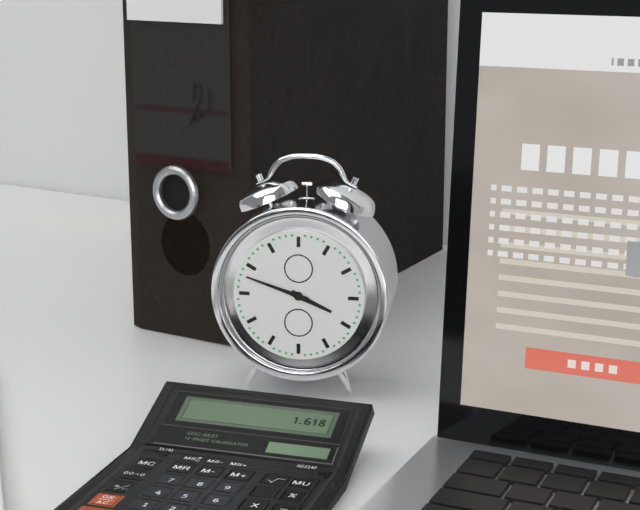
**3:48**
